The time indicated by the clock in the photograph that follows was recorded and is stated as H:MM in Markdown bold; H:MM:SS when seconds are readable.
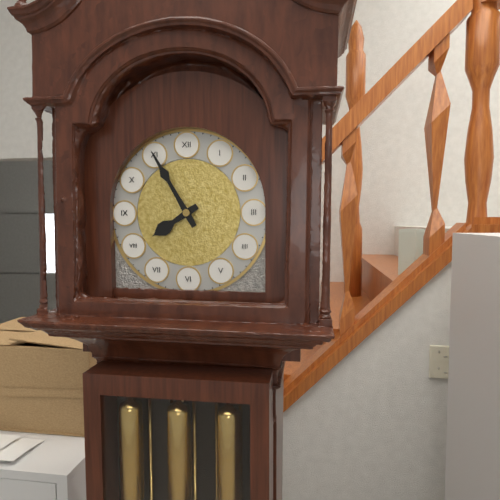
**7:55**
